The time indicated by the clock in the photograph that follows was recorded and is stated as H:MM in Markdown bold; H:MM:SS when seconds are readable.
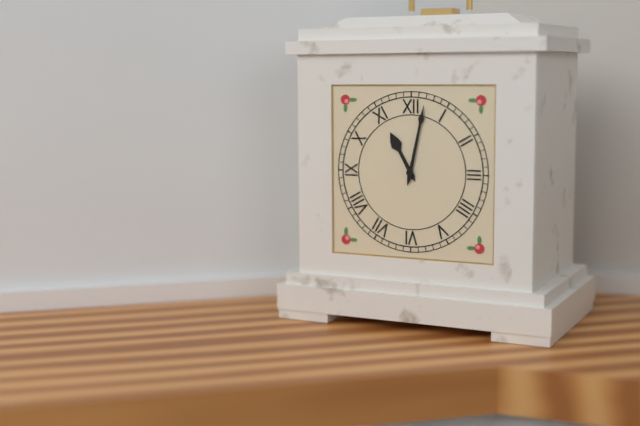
**11:02**
